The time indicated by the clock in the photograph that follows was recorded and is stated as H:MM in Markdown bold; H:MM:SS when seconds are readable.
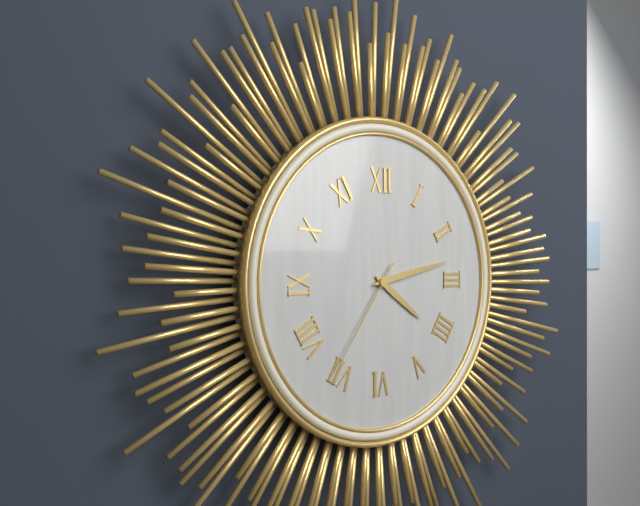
**4:13:36**
